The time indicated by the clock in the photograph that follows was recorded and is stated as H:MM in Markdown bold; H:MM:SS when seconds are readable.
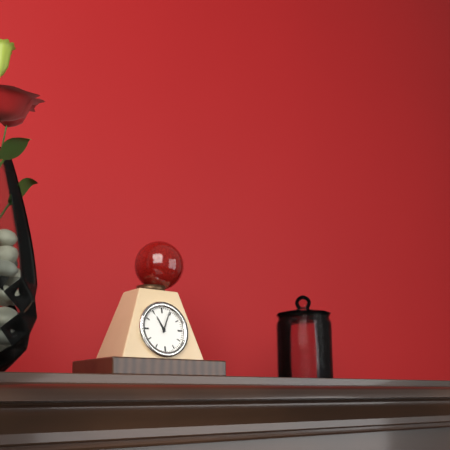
**11:04**
